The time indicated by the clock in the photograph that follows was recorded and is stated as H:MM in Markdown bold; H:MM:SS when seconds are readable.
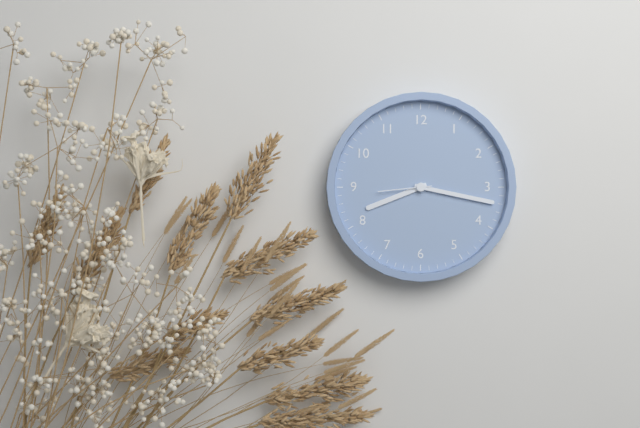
**8:17:44**
